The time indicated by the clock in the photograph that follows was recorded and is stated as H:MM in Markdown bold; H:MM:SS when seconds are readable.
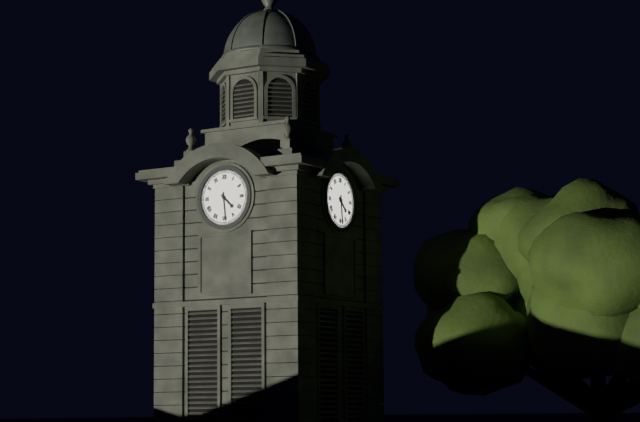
**4:29**
